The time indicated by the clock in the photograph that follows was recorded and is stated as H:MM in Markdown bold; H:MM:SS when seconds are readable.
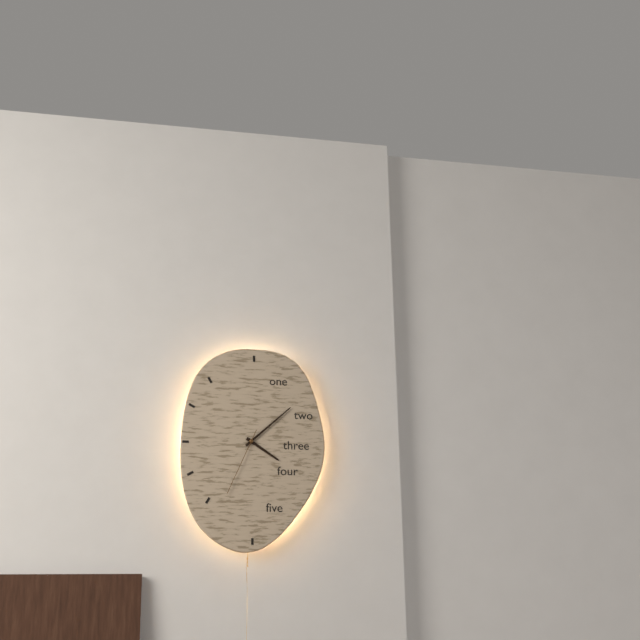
**4:08:34**
